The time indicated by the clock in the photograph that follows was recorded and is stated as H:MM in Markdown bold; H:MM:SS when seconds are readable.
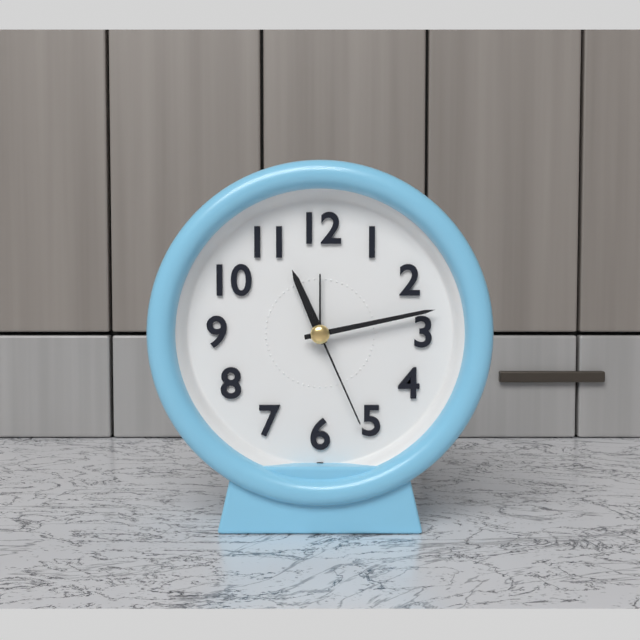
**11:13:26**
